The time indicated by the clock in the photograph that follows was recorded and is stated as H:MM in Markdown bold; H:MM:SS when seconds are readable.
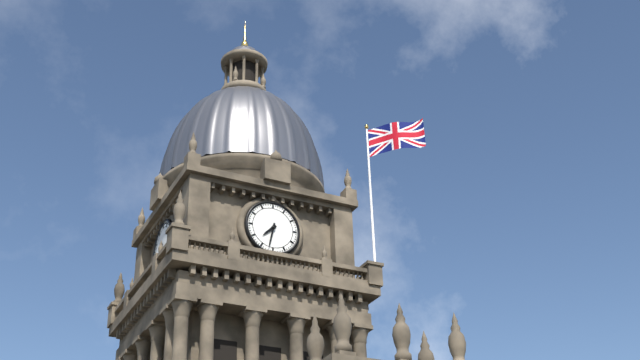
**7:32**
